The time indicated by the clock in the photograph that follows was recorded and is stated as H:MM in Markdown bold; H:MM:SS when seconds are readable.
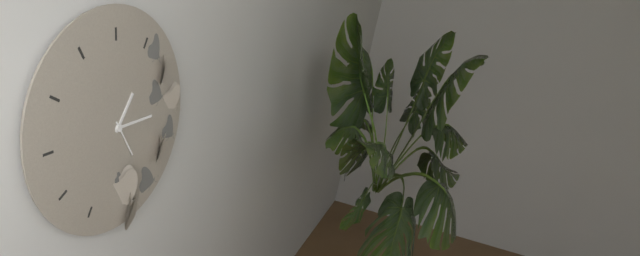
**1:15**
